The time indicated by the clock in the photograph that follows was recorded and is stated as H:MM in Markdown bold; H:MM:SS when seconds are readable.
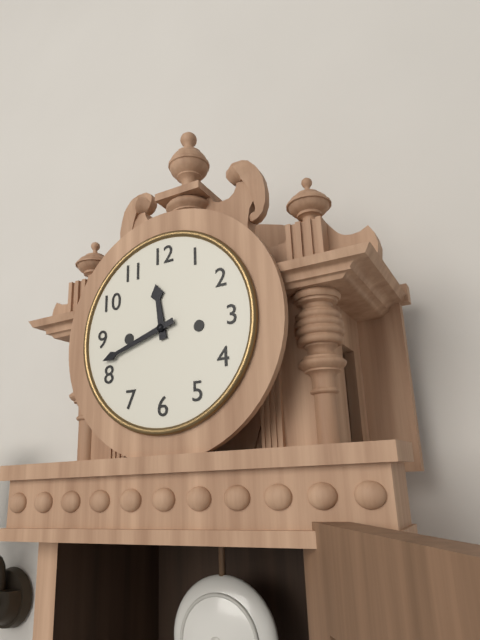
**11:42**
